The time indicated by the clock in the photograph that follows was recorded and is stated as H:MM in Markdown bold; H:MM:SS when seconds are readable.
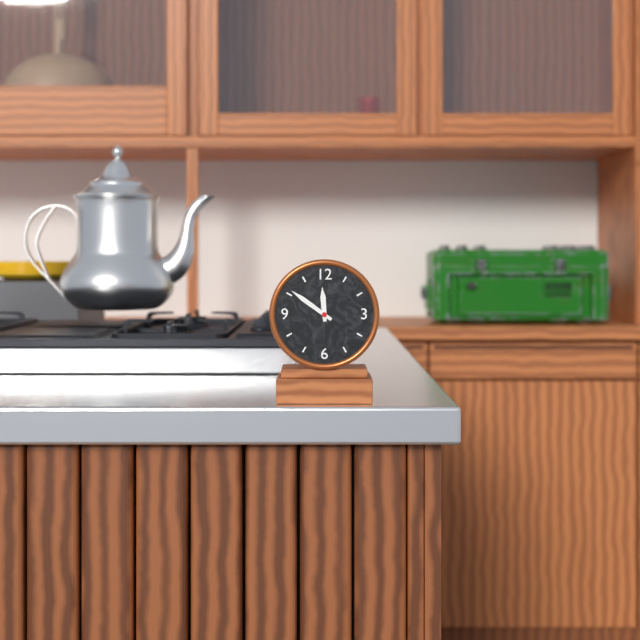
**11:51**
